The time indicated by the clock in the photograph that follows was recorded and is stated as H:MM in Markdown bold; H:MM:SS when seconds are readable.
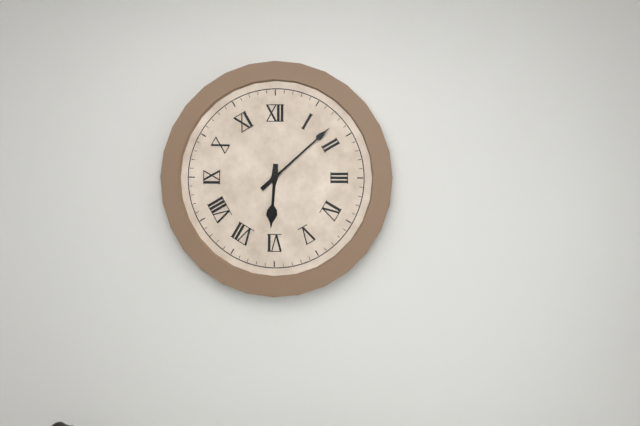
**6:08**
